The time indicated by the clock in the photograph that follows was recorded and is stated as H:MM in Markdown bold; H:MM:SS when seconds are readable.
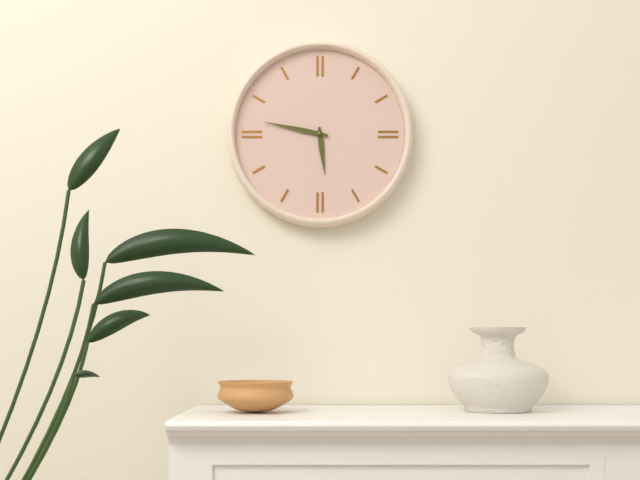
**5:47**
